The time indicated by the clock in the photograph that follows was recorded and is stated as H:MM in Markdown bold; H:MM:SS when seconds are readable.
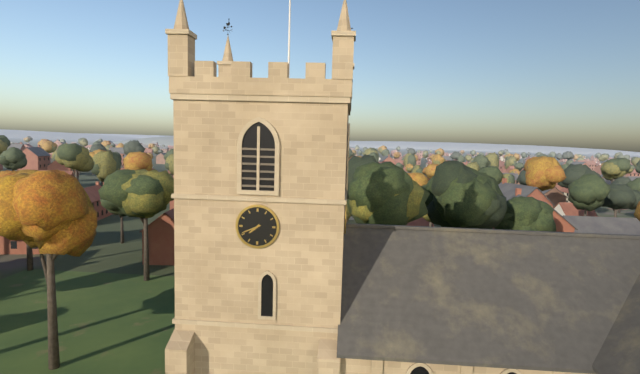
**7:41**
